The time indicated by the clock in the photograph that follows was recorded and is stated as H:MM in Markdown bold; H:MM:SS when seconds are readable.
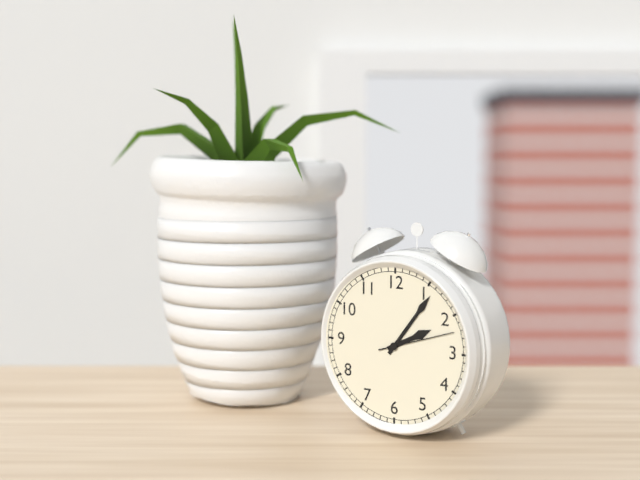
**2:06:12**
